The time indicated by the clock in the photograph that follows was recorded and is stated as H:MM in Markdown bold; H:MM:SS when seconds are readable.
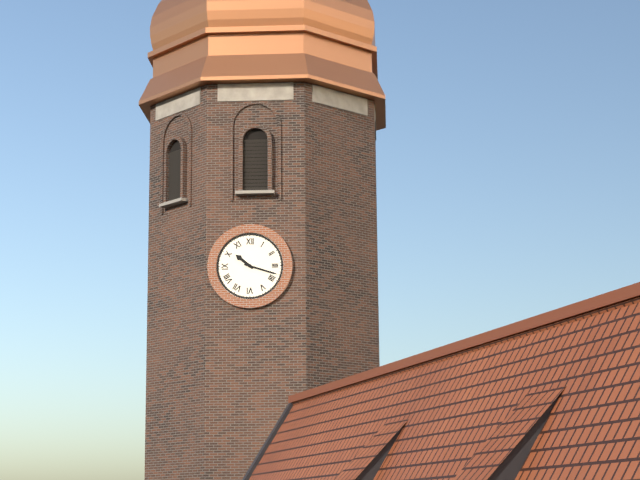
**10:18**
